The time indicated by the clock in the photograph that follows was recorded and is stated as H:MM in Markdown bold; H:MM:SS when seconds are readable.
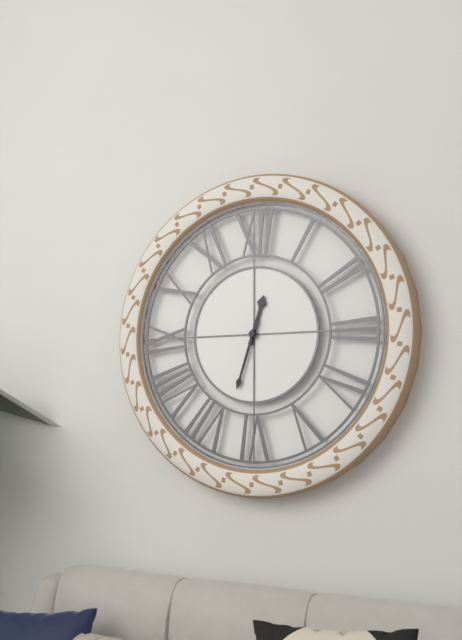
**12:33**
